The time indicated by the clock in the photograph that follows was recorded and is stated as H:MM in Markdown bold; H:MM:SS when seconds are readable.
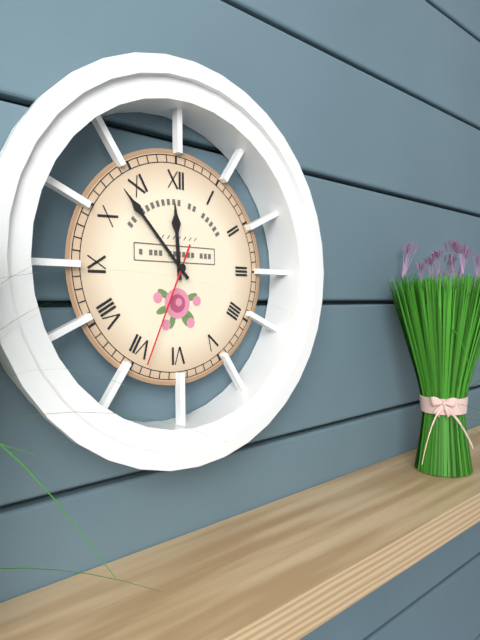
**11:53:34**
